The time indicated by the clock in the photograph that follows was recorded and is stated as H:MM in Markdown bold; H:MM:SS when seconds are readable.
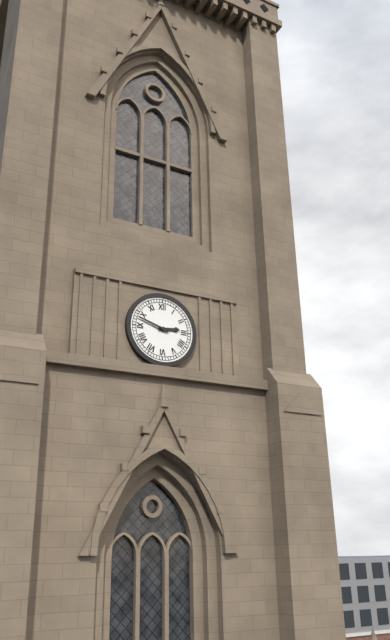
**2:48**
